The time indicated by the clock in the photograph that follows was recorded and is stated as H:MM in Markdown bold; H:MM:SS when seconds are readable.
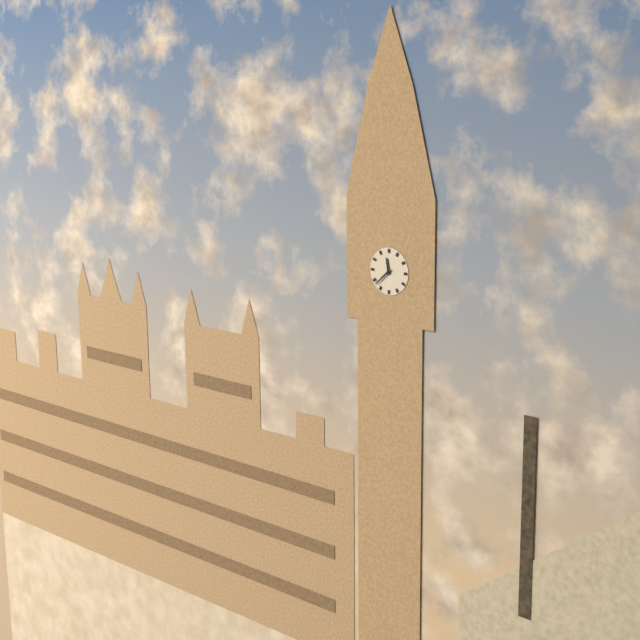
**11:38**
